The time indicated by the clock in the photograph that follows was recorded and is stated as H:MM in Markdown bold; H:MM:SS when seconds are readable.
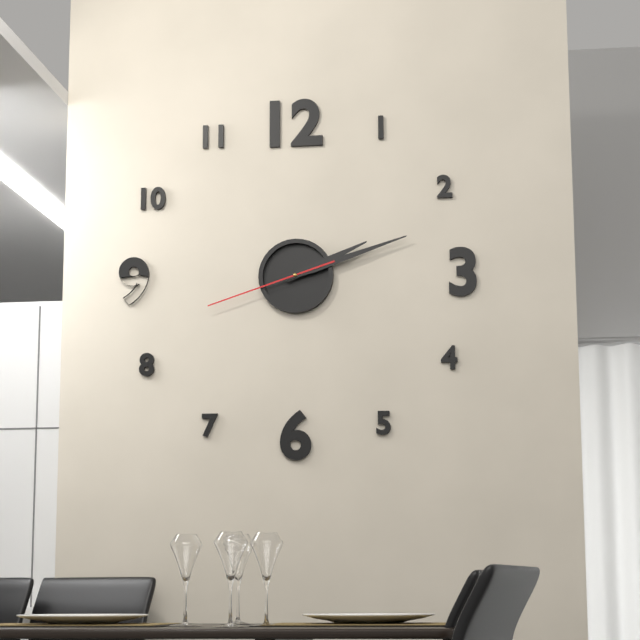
**2:12:42**
